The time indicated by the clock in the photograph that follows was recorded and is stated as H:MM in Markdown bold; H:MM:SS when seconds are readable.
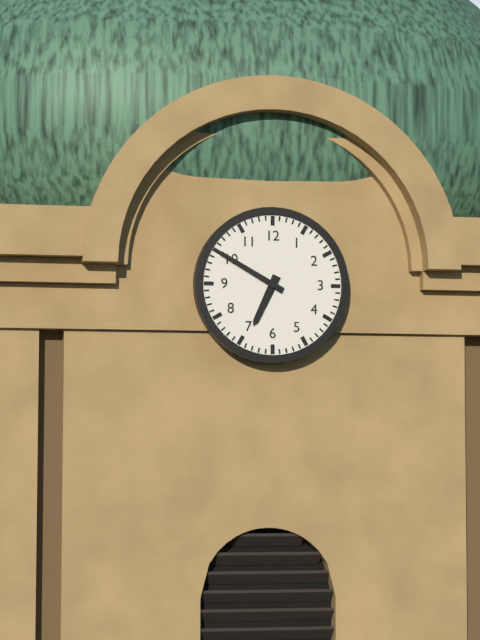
**6:50**
